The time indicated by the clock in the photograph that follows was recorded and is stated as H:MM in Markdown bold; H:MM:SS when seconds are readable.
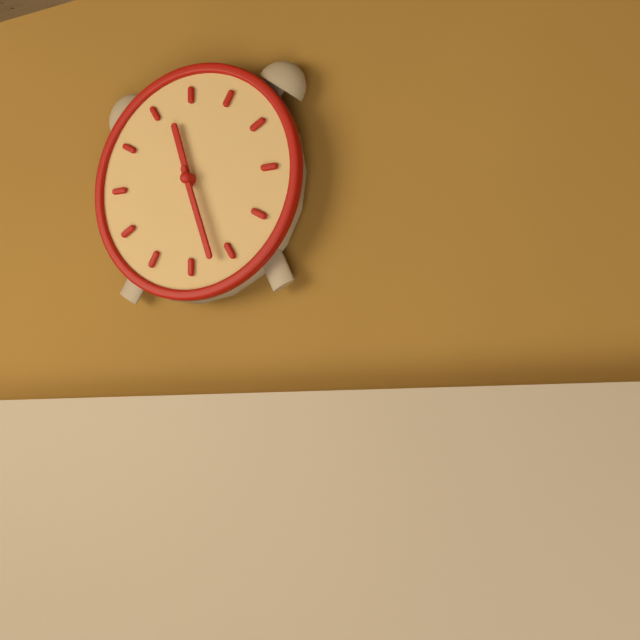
**11:27**
